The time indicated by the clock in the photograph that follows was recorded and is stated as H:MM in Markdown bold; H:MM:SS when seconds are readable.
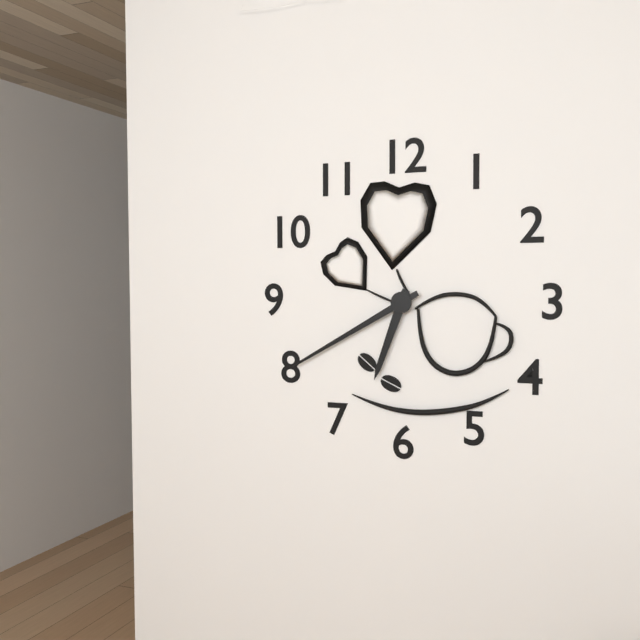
**6:40**
